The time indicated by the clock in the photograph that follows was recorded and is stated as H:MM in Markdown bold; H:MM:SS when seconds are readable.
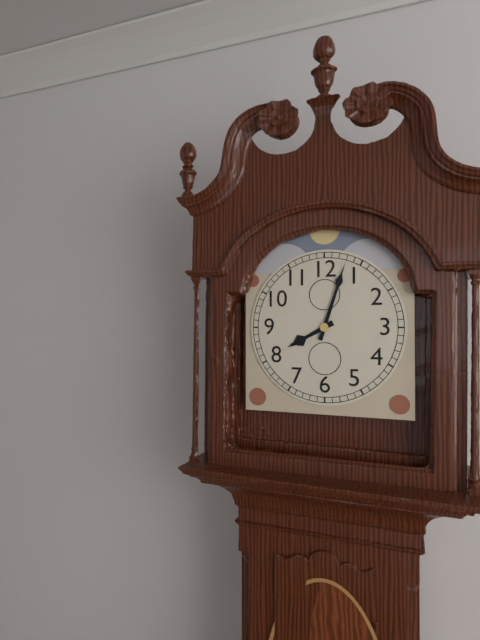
**8:03**
